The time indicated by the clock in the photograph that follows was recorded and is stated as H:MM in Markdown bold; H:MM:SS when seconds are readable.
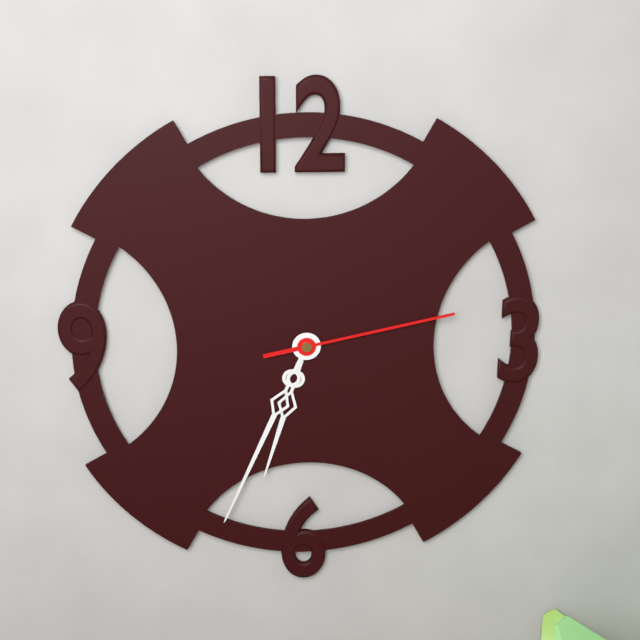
**6:34:13**
